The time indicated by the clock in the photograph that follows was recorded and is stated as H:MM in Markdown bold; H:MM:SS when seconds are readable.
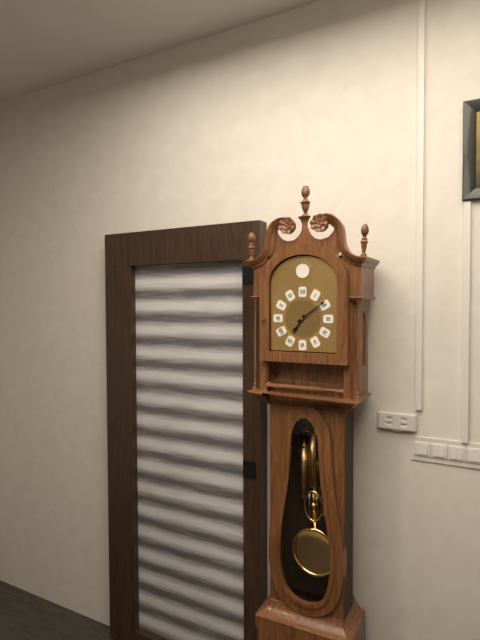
**7:09**
